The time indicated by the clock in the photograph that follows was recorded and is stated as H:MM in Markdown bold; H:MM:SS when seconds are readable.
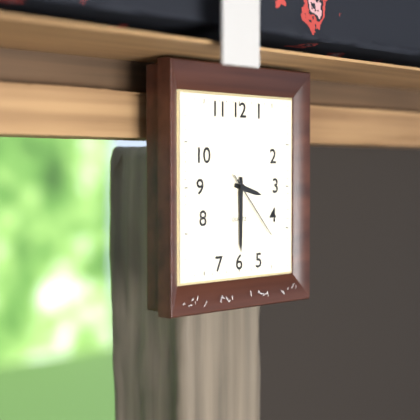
**3:30:23**
